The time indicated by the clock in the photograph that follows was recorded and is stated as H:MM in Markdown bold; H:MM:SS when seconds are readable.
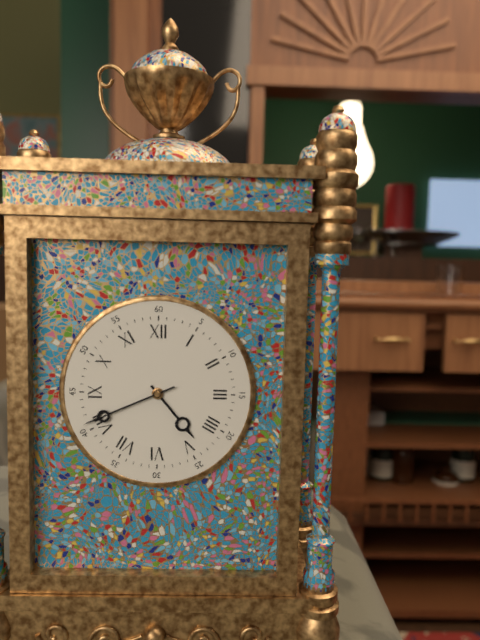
**4:41**
